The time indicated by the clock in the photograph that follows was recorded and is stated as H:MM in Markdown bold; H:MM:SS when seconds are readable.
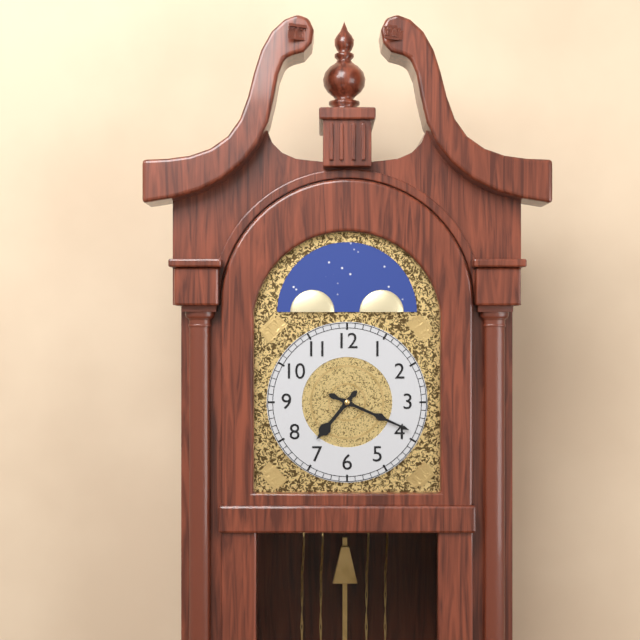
**7:19**
